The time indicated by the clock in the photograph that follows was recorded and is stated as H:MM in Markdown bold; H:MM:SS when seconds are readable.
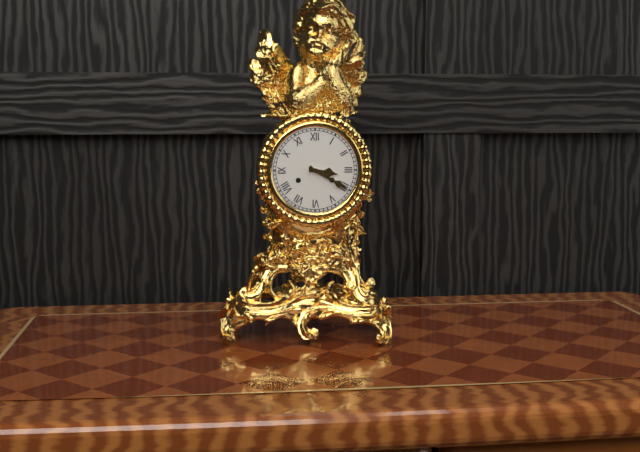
**3:20**
